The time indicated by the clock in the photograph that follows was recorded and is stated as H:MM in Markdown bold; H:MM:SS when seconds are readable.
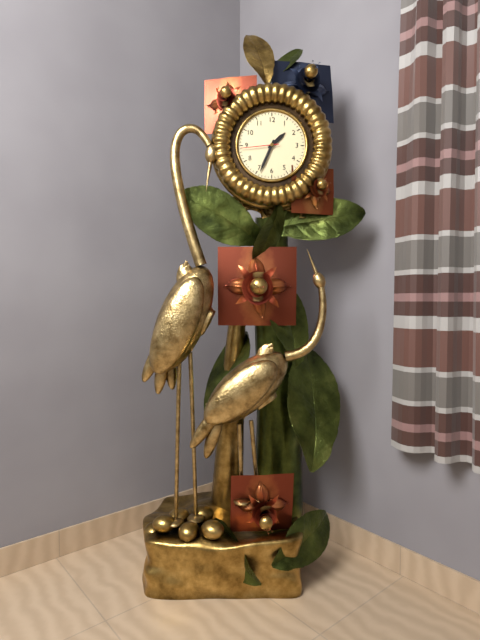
**1:34**
